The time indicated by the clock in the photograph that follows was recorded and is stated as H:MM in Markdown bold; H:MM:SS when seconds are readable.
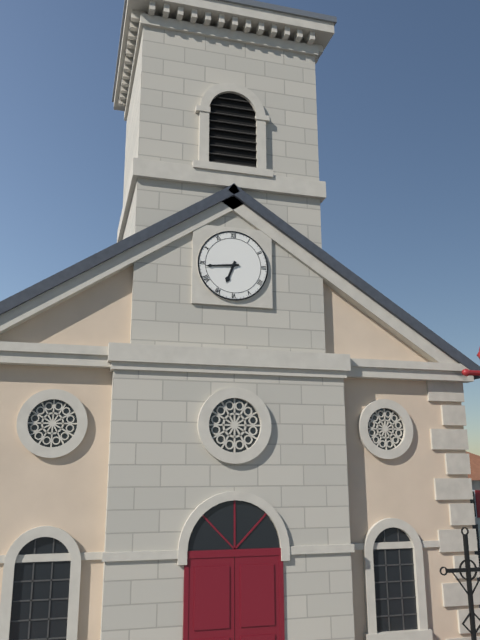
**6:44**
